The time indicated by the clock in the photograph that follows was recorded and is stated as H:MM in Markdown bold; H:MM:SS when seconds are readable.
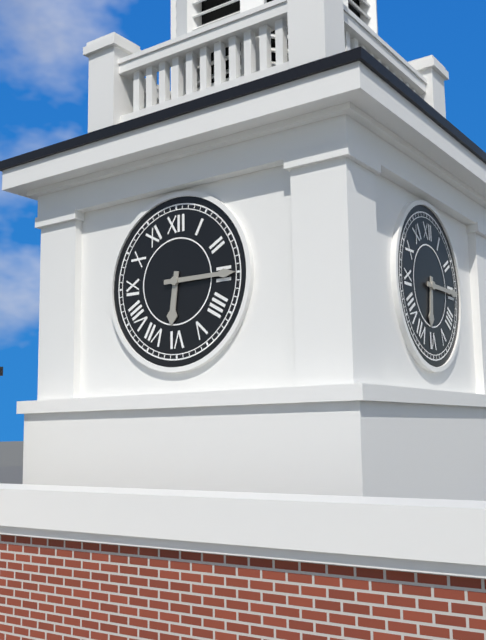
**6:15**
